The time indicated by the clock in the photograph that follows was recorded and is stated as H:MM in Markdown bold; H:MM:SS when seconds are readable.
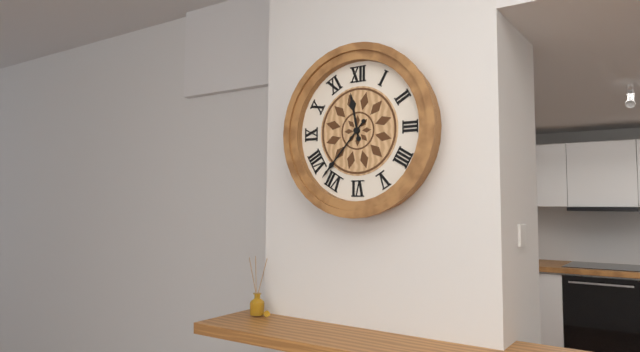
**11:37**
